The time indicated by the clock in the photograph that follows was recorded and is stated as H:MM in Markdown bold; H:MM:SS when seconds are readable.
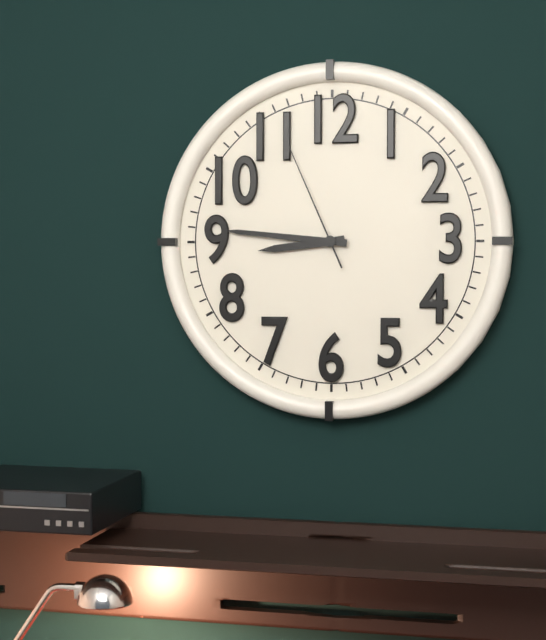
**8:46:56**
